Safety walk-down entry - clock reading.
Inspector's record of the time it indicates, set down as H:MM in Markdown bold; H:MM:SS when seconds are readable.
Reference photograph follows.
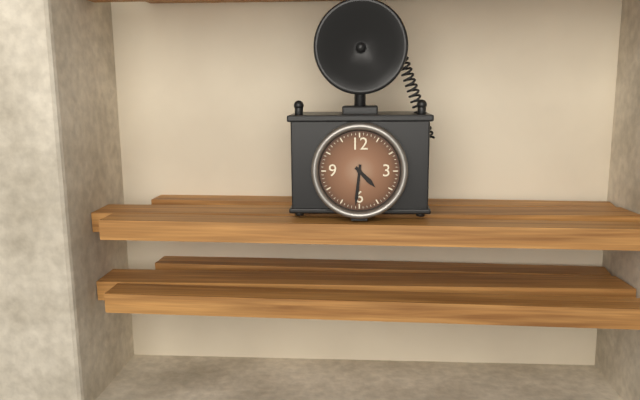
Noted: **4:31**
